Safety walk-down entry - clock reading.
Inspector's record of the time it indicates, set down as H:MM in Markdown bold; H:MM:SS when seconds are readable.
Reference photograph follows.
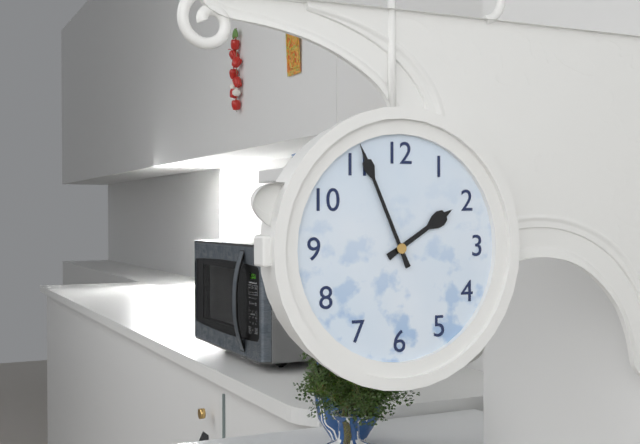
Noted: **1:56**
